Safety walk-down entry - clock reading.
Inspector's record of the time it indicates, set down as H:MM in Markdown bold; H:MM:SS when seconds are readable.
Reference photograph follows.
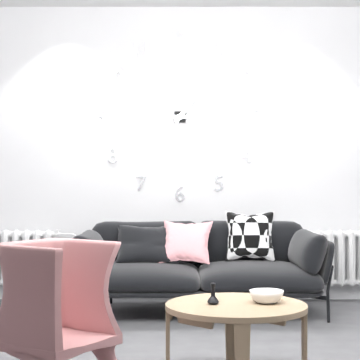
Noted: **1:15**
